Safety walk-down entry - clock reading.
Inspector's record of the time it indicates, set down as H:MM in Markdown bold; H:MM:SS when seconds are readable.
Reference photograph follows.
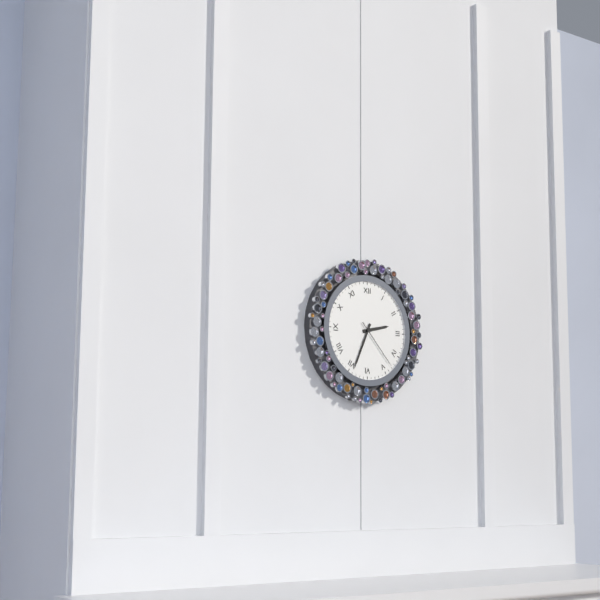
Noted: **2:34:23**
